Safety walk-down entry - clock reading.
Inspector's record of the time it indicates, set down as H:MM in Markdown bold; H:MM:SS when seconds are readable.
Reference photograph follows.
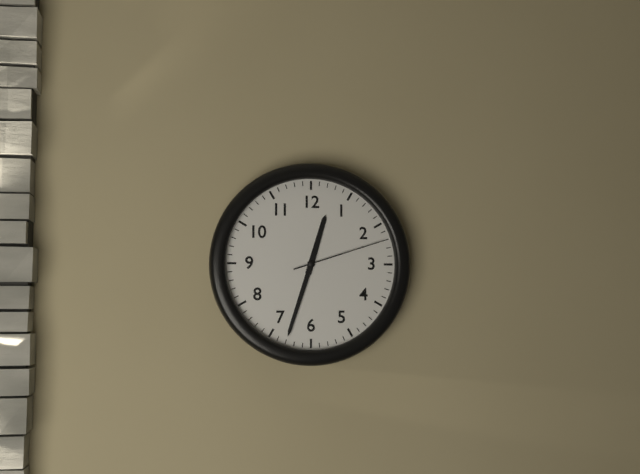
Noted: **12:33:12**
